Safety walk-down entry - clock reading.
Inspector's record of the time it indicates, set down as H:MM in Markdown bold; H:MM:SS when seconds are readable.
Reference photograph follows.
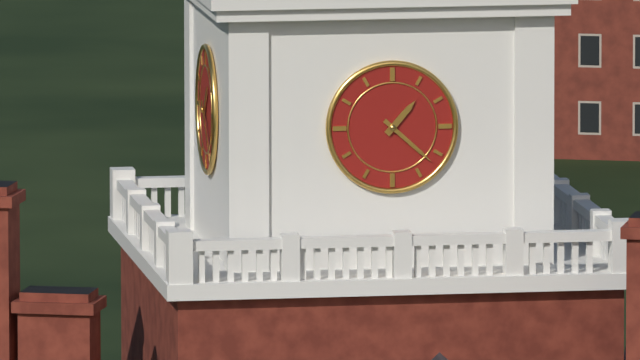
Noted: **1:22**
